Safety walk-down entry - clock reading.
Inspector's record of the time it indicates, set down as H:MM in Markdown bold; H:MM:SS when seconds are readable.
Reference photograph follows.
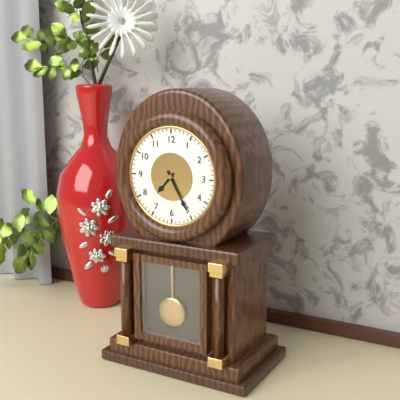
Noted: **7:25**
